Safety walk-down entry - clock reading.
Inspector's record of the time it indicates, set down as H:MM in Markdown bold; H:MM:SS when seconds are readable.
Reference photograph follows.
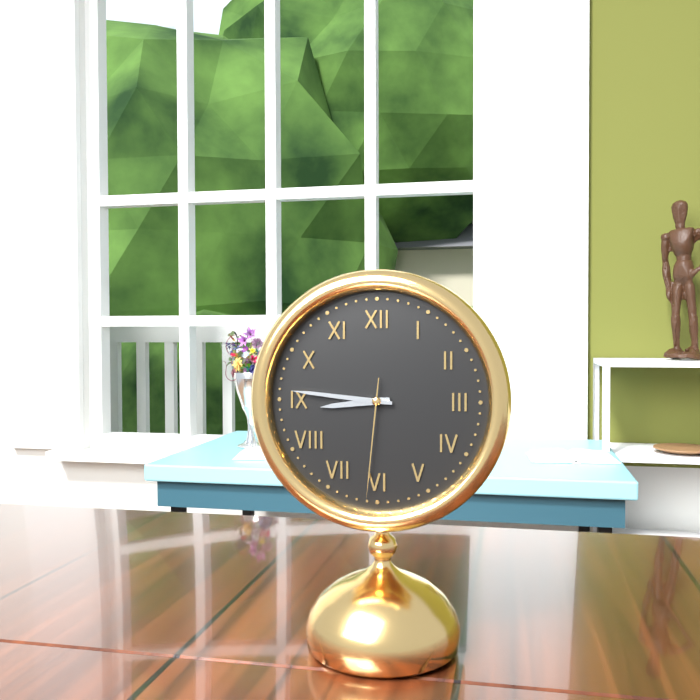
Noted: **8:46:31**
